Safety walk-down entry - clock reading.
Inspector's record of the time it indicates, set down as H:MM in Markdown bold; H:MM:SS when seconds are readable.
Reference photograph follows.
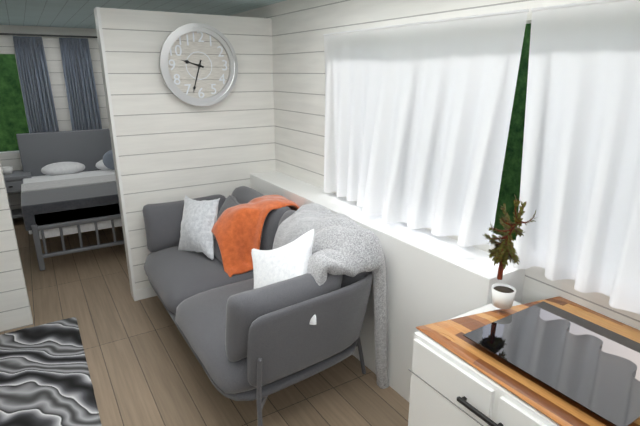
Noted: **9:33**
